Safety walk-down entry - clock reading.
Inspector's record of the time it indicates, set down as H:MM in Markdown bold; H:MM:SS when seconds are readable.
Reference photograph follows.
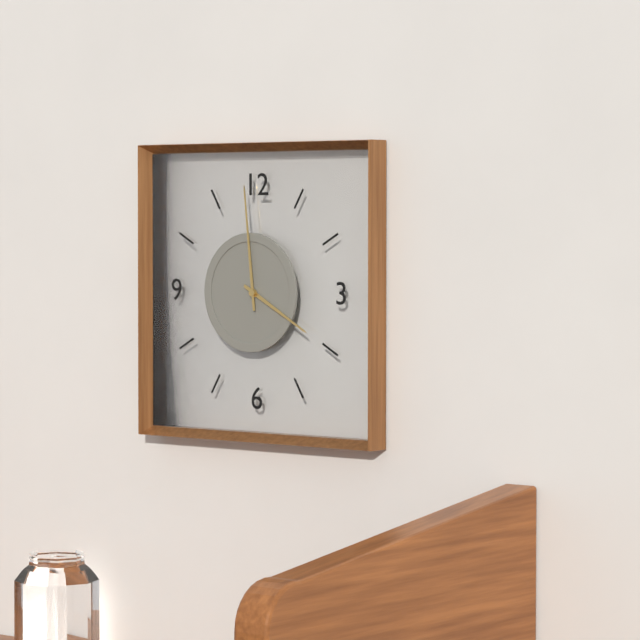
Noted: **3:59**
